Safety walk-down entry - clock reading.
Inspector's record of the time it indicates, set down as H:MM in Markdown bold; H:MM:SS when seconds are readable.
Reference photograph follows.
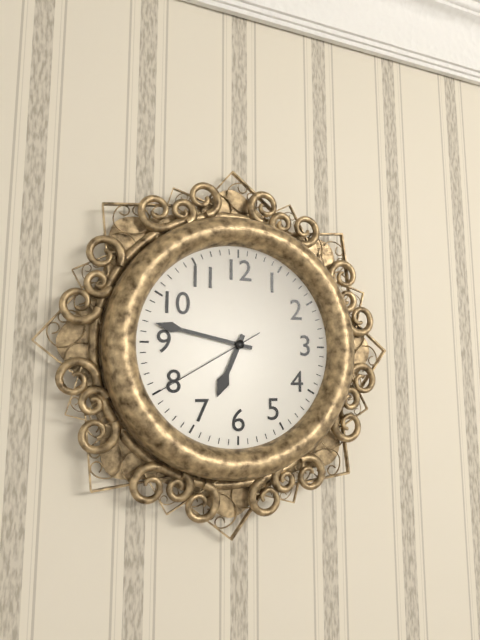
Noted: **6:47:40**
